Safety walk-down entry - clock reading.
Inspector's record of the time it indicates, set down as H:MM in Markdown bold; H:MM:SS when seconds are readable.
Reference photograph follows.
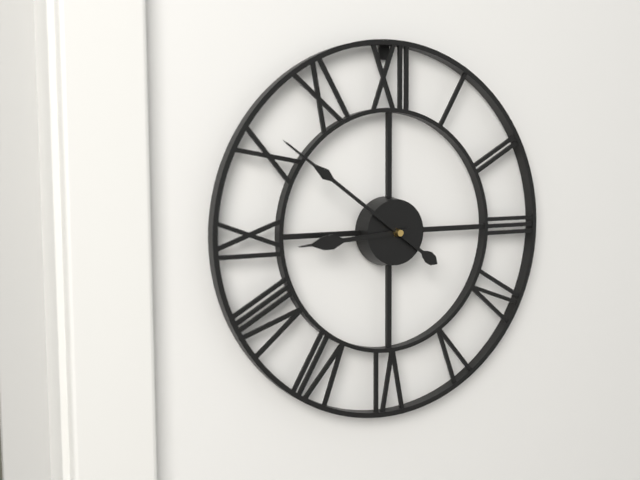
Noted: **8:51**
